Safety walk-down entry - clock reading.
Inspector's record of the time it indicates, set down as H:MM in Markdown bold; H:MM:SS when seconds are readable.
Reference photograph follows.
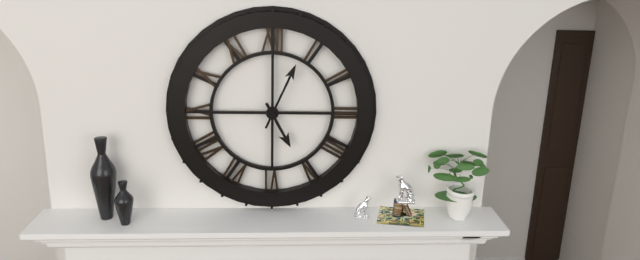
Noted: **5:04**
